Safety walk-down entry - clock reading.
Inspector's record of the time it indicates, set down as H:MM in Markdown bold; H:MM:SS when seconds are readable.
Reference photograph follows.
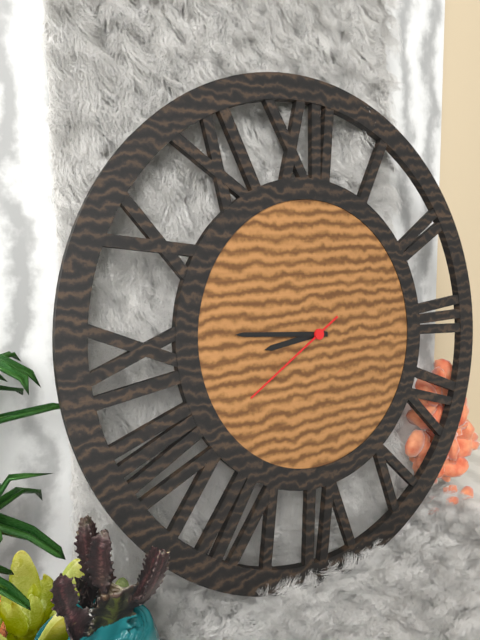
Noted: **8:46:40**
